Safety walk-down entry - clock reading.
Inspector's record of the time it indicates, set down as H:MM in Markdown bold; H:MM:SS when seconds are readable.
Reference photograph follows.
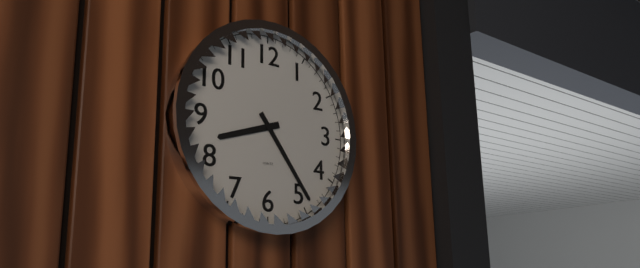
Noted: **8:24**
